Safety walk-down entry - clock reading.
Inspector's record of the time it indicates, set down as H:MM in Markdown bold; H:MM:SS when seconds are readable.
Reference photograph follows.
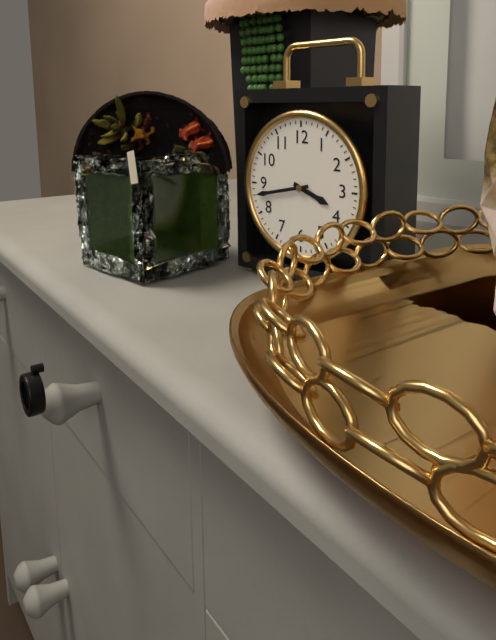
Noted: **3:43**
